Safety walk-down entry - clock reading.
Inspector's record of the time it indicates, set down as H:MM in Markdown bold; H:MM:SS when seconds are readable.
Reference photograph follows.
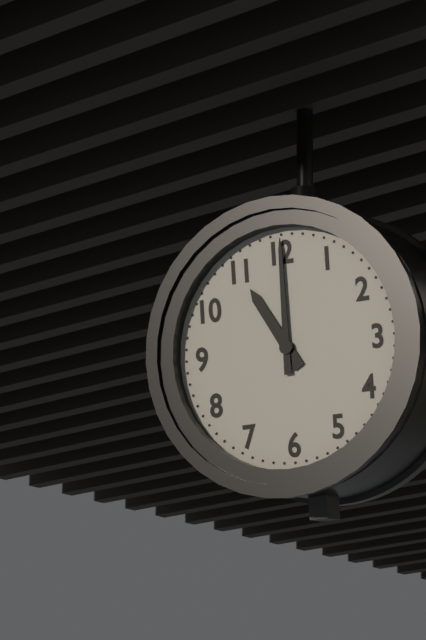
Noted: **11:00**
